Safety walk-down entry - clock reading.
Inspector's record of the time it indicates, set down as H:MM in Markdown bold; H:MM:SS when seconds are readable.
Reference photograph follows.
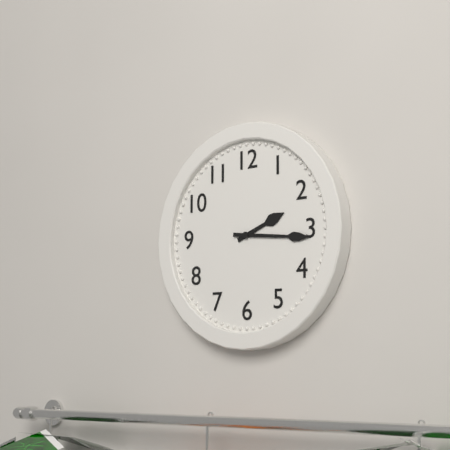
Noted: **2:16**
